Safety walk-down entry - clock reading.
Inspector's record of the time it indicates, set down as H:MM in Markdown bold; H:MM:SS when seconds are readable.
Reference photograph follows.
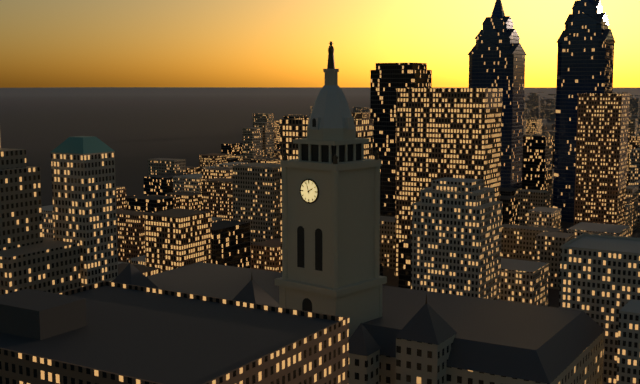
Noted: **1:57**
